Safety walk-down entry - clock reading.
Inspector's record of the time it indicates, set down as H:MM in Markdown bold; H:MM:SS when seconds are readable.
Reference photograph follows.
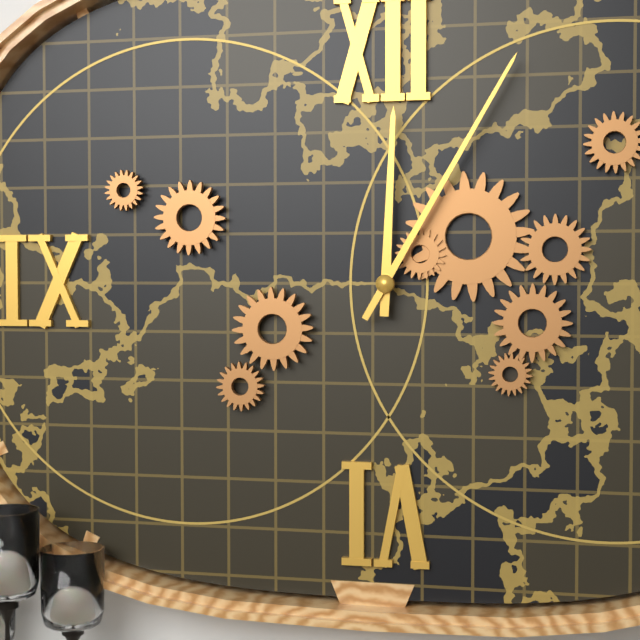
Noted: **12:05**
